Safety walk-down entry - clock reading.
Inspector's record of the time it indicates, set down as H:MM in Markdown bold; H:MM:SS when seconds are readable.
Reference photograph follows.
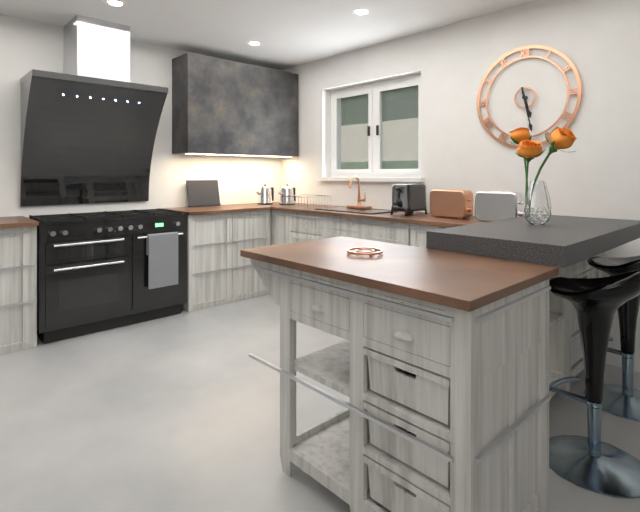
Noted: **5:28**
